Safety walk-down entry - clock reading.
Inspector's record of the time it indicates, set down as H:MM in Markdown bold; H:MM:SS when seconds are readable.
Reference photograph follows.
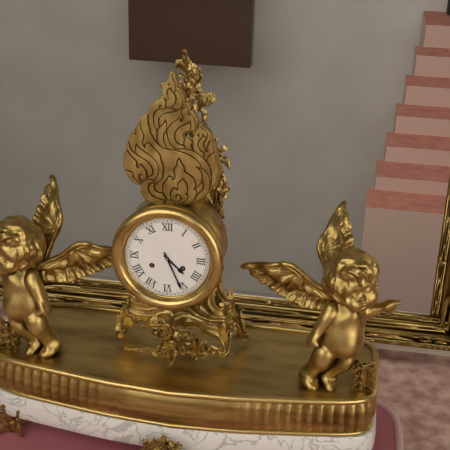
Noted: **4:26**
